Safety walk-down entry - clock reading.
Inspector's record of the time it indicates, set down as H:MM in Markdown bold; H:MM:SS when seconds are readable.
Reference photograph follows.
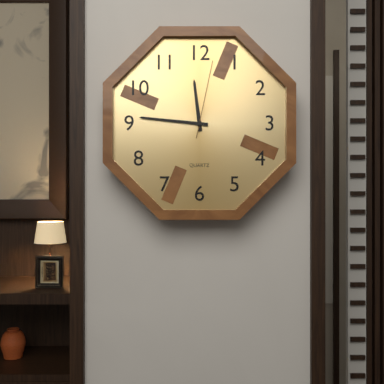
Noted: **11:46:02**
